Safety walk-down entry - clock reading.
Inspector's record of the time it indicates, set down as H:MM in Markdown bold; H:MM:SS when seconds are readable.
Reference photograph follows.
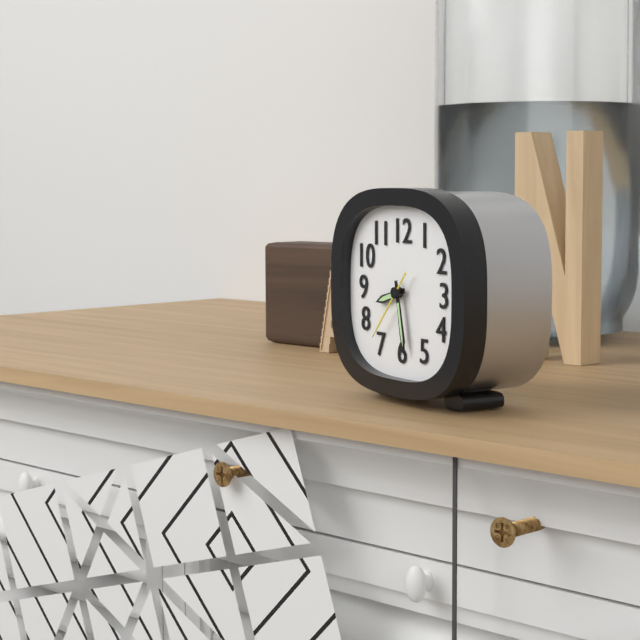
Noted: **8:28:37**
